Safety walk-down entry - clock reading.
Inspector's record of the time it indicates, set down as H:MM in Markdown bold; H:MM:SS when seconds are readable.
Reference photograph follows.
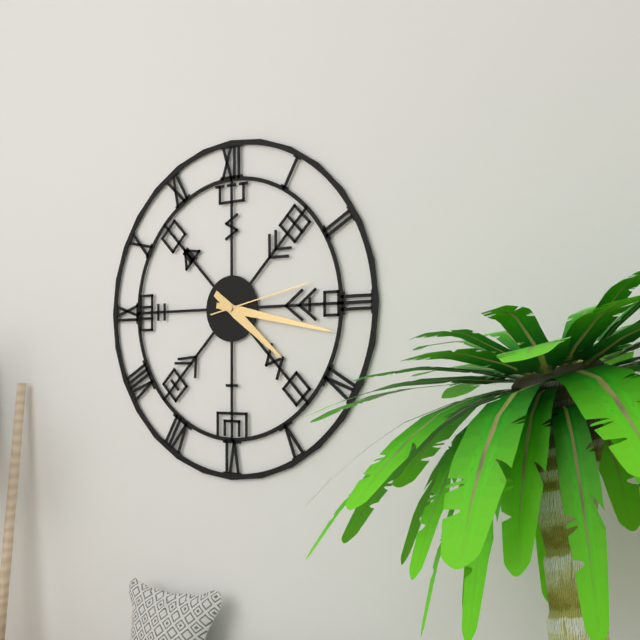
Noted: **4:17:13**
